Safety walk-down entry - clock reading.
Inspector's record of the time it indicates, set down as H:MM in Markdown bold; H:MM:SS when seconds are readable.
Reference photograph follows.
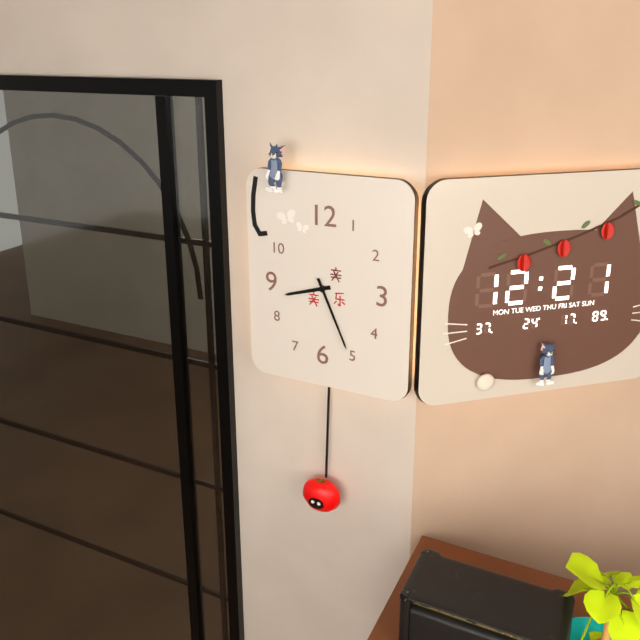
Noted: **8:26**
